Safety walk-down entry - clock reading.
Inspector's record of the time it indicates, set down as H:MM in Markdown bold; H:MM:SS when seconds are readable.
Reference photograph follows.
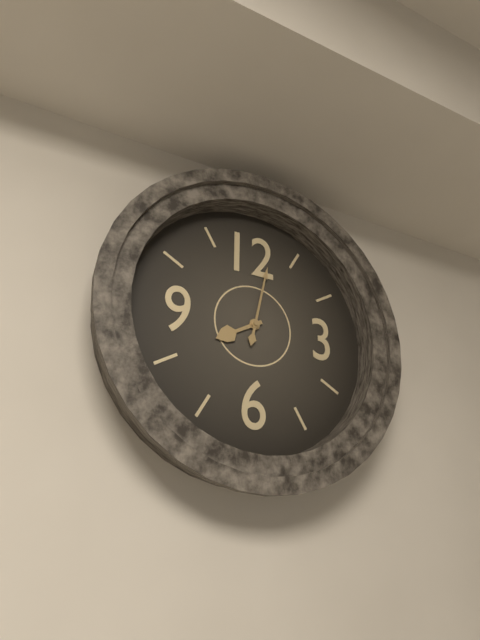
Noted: **8:02**
